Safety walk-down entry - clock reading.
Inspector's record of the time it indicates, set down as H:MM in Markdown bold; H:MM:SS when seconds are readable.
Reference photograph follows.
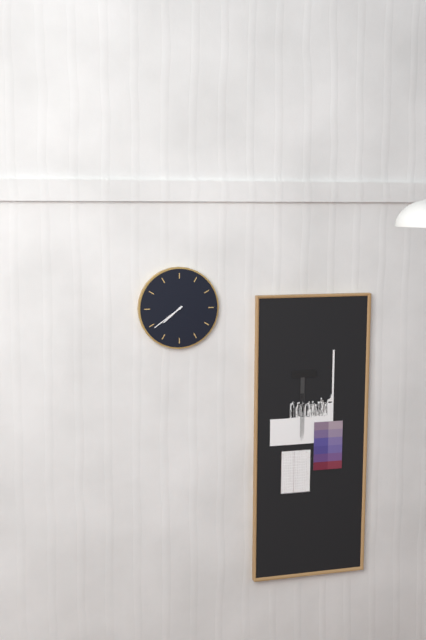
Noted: **7:39**
